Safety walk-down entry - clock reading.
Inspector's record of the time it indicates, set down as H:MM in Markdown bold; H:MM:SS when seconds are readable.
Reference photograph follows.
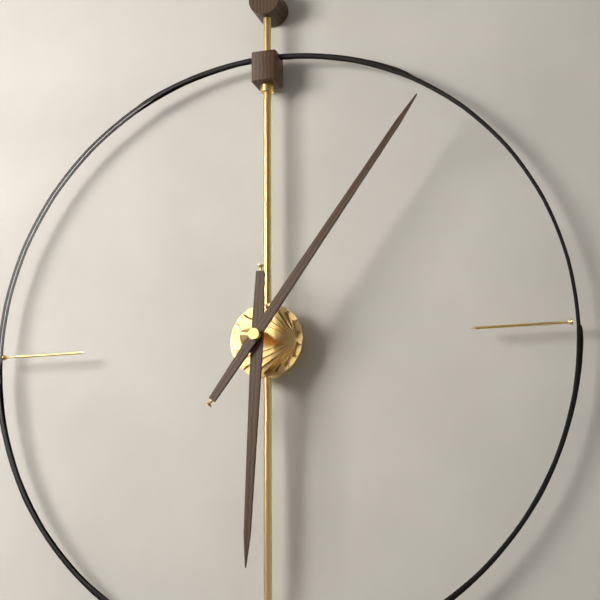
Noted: **6:06**
